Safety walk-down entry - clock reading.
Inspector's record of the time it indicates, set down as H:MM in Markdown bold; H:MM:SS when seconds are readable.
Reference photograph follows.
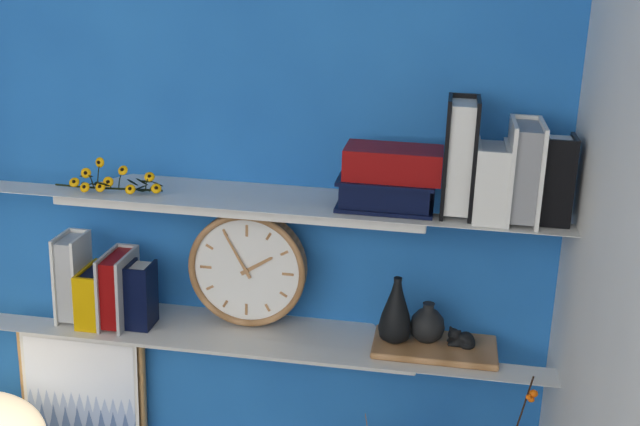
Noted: **1:55**
